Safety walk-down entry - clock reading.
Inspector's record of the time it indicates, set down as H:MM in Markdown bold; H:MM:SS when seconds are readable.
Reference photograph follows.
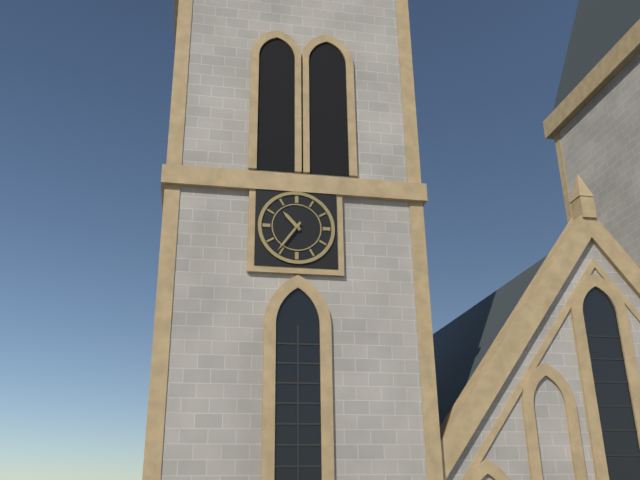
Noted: **10:36**
